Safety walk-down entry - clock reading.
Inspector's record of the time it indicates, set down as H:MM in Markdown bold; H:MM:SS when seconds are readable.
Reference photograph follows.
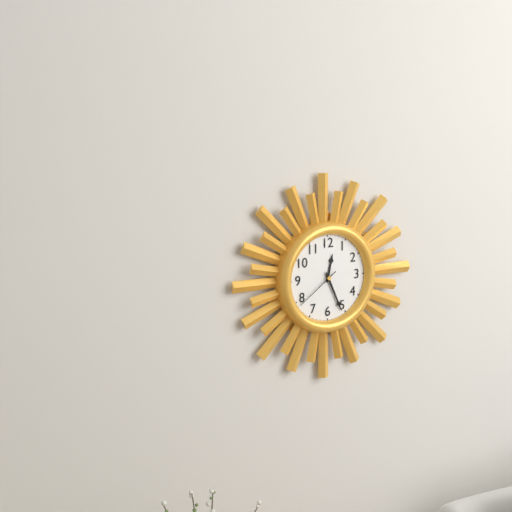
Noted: **12:26**
